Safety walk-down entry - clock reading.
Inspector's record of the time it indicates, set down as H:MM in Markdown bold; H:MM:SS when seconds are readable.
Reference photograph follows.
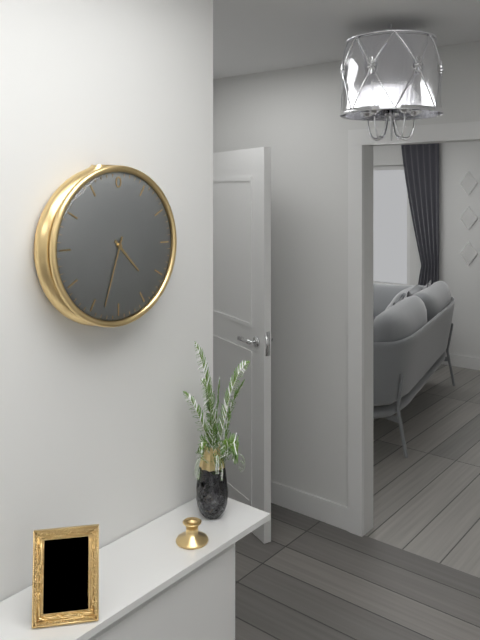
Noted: **4:33**
